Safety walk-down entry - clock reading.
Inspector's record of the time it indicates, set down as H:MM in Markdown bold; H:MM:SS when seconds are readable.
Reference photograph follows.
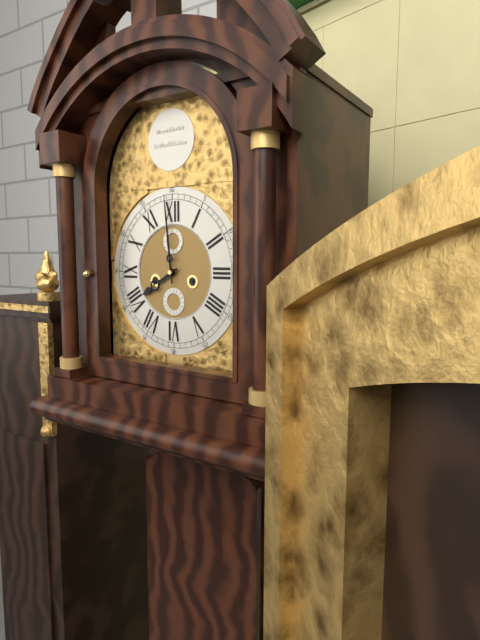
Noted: **7:59**
